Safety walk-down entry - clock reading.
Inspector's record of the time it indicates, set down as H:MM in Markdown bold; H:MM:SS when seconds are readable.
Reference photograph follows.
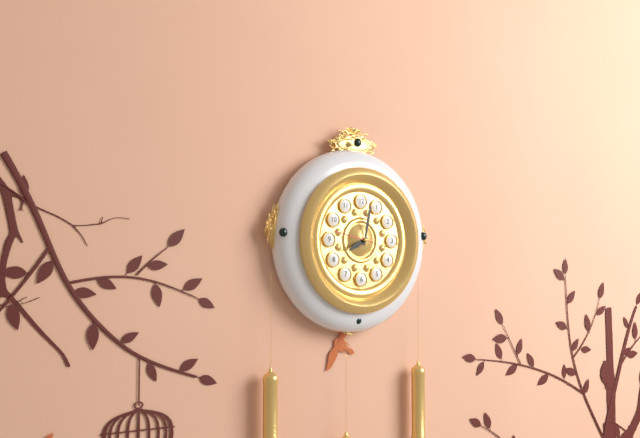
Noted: **8:02**
